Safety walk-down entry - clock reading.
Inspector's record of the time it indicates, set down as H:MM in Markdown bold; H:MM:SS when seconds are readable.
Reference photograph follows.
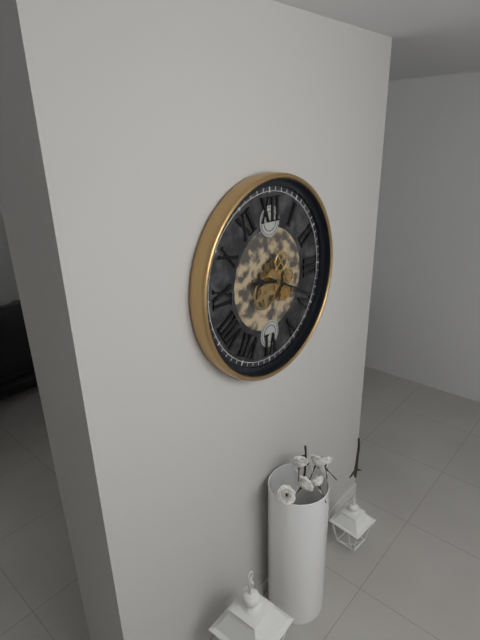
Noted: **9:19**
